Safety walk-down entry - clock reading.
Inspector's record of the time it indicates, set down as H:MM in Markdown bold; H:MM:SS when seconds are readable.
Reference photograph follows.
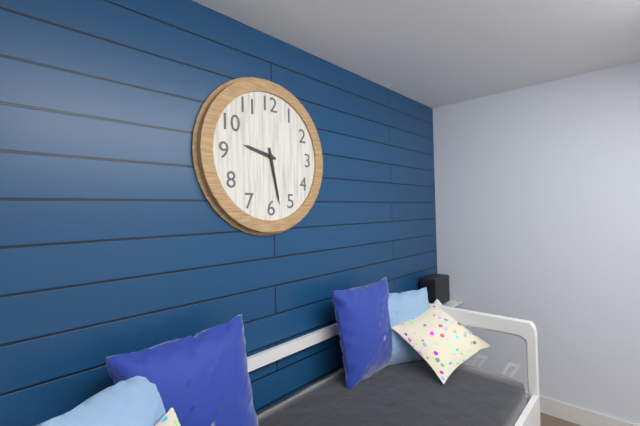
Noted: **9:28**
